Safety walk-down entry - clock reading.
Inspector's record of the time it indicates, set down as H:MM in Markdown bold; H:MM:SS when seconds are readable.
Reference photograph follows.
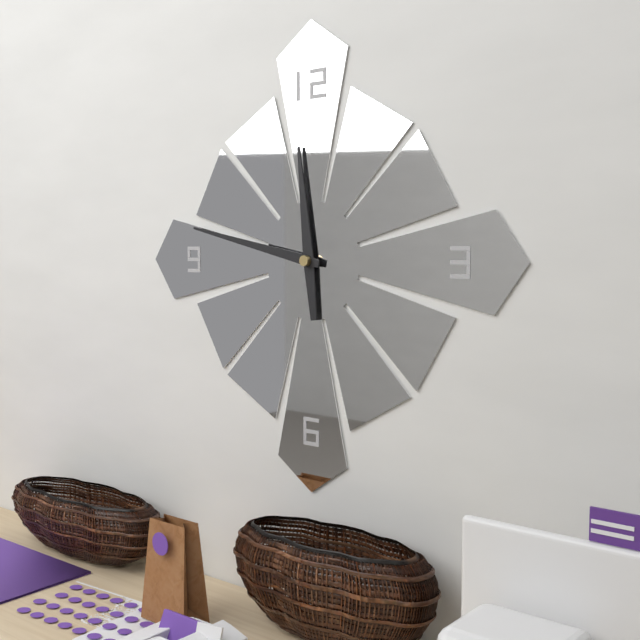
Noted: **11:47**
